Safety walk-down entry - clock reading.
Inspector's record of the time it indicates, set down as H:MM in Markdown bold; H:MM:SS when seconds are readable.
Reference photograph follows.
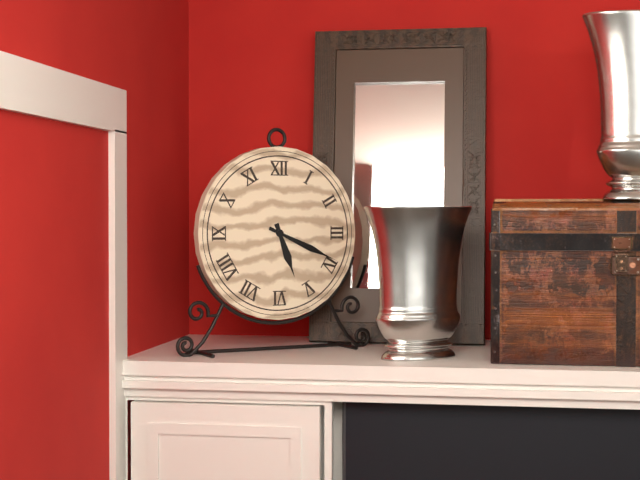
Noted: **5:19**
